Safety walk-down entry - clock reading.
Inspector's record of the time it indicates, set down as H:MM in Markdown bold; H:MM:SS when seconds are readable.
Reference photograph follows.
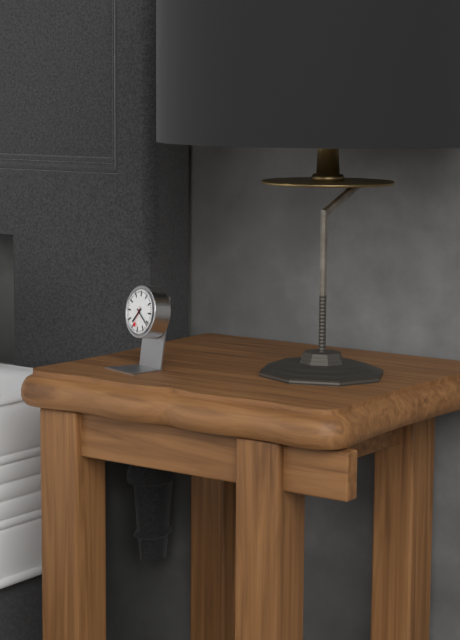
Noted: **7:21**
